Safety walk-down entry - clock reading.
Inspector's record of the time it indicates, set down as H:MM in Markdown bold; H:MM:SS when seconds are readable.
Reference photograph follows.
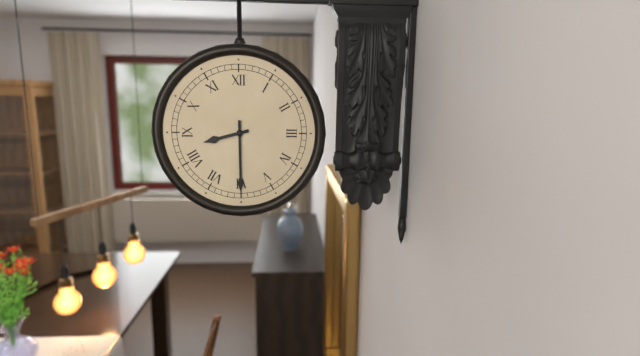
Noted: **8:30**
